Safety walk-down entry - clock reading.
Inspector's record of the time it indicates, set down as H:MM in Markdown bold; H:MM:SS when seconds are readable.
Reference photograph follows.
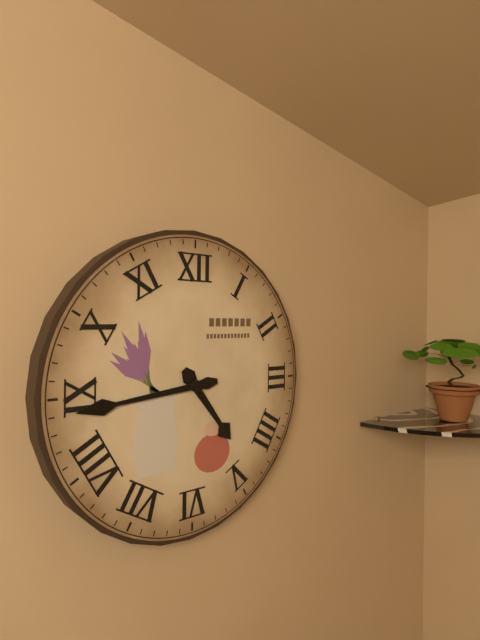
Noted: **4:44**
